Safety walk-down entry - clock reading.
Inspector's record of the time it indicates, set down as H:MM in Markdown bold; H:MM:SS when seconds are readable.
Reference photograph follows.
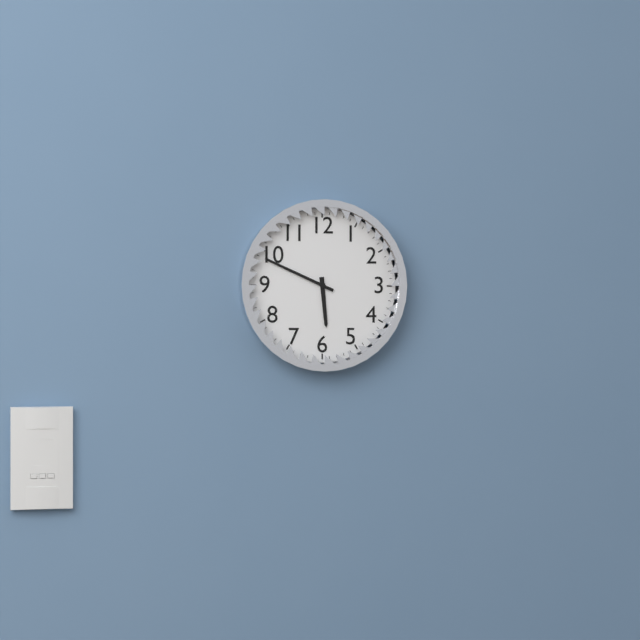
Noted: **5:49**
